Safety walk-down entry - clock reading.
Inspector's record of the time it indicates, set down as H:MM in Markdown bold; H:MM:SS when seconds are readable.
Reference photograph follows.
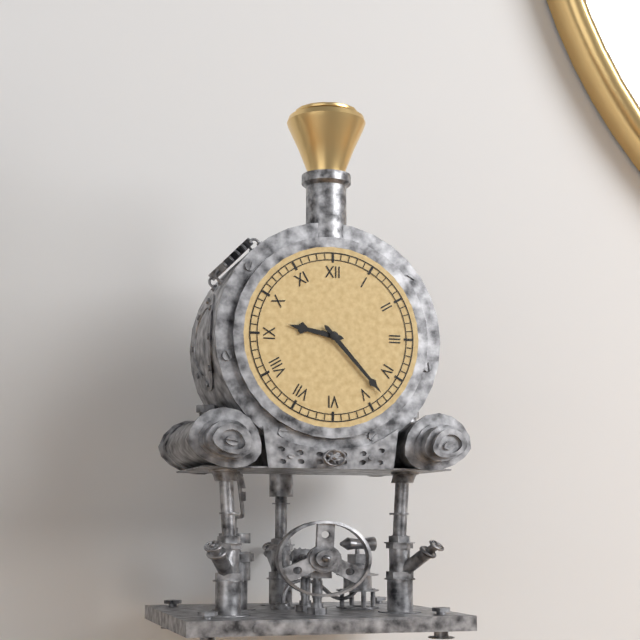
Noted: **9:23**
